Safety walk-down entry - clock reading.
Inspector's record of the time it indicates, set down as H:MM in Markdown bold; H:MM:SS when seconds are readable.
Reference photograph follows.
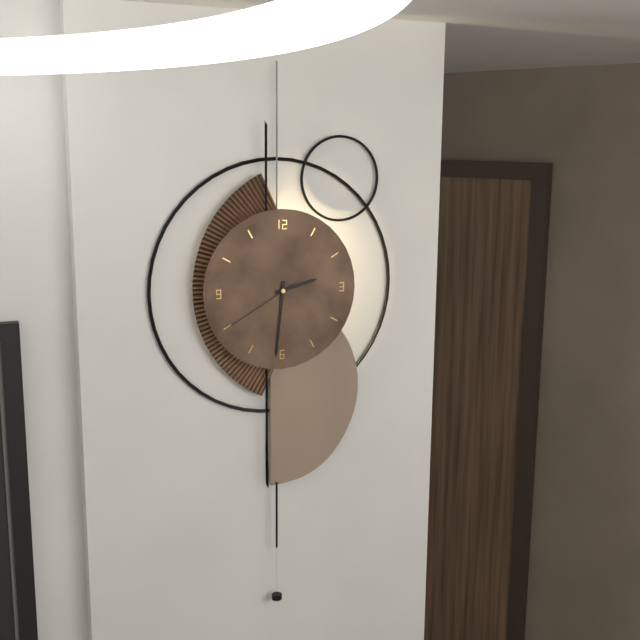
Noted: **2:31:40**
